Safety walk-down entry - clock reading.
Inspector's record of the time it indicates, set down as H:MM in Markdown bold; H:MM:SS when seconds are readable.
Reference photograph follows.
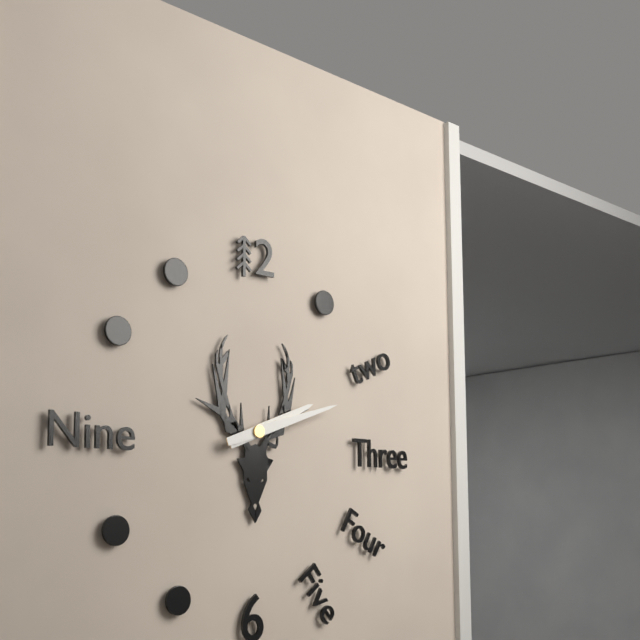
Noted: **2:12**
